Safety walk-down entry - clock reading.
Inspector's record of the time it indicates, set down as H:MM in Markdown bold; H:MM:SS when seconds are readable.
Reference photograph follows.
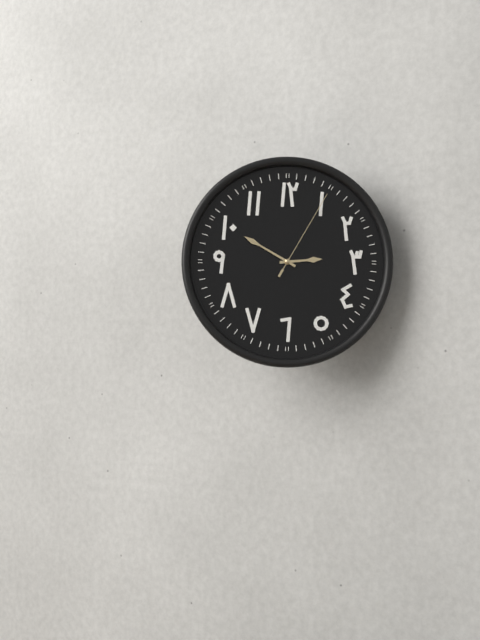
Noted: **2:50:05**
